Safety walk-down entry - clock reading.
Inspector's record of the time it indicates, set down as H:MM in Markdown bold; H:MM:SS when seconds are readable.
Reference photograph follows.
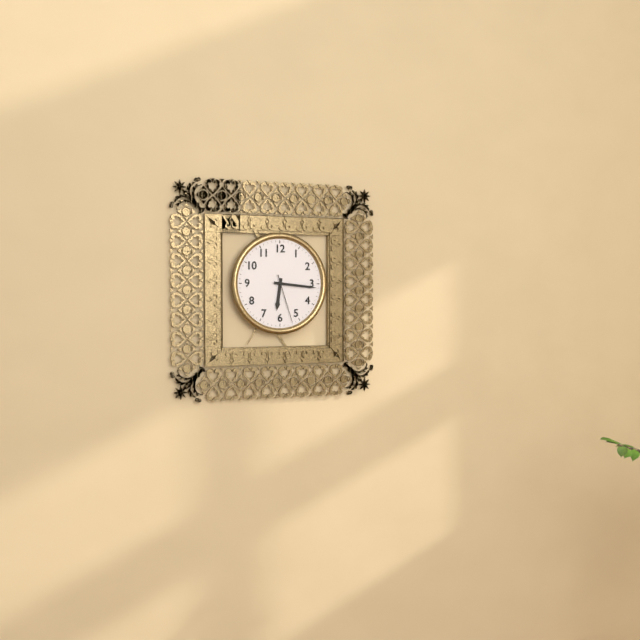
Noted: **6:16:27**
